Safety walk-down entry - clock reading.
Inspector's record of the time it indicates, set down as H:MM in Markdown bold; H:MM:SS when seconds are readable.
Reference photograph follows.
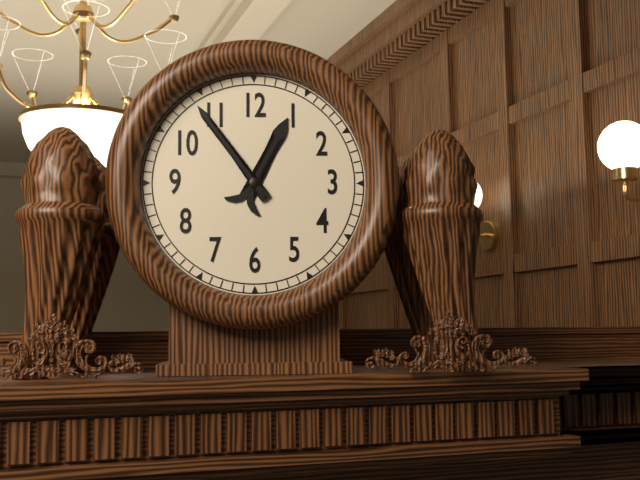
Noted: **12:54**
